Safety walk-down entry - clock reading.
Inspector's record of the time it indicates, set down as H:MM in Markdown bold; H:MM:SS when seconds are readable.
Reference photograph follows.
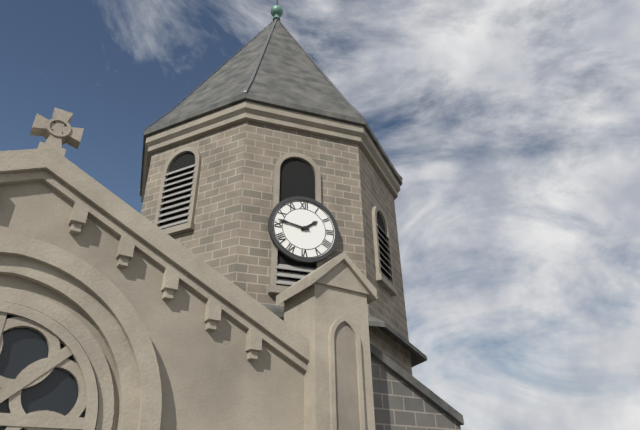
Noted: **1:47**
